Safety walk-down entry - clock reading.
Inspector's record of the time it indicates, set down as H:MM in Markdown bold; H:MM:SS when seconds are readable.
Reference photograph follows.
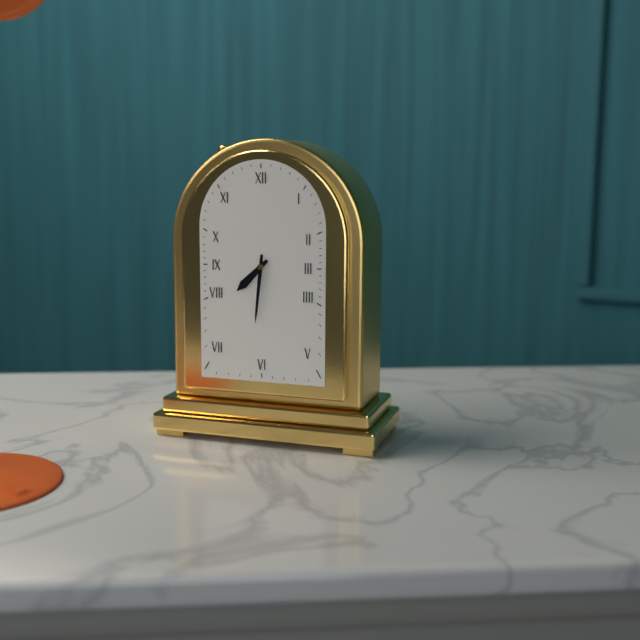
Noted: **7:31**
